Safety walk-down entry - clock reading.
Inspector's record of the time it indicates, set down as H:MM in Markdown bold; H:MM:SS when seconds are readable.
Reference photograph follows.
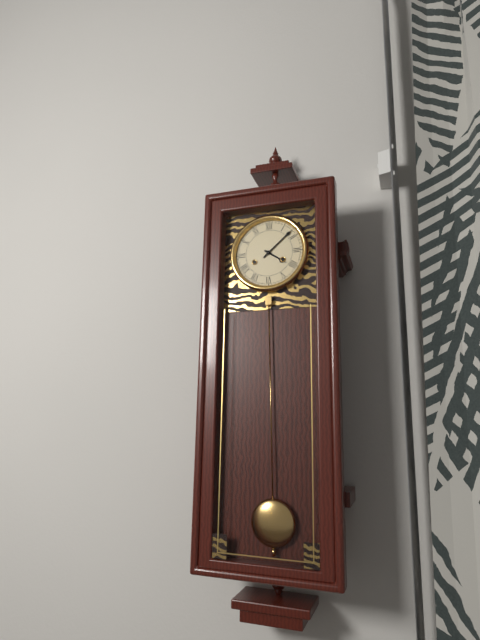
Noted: **4:08**
